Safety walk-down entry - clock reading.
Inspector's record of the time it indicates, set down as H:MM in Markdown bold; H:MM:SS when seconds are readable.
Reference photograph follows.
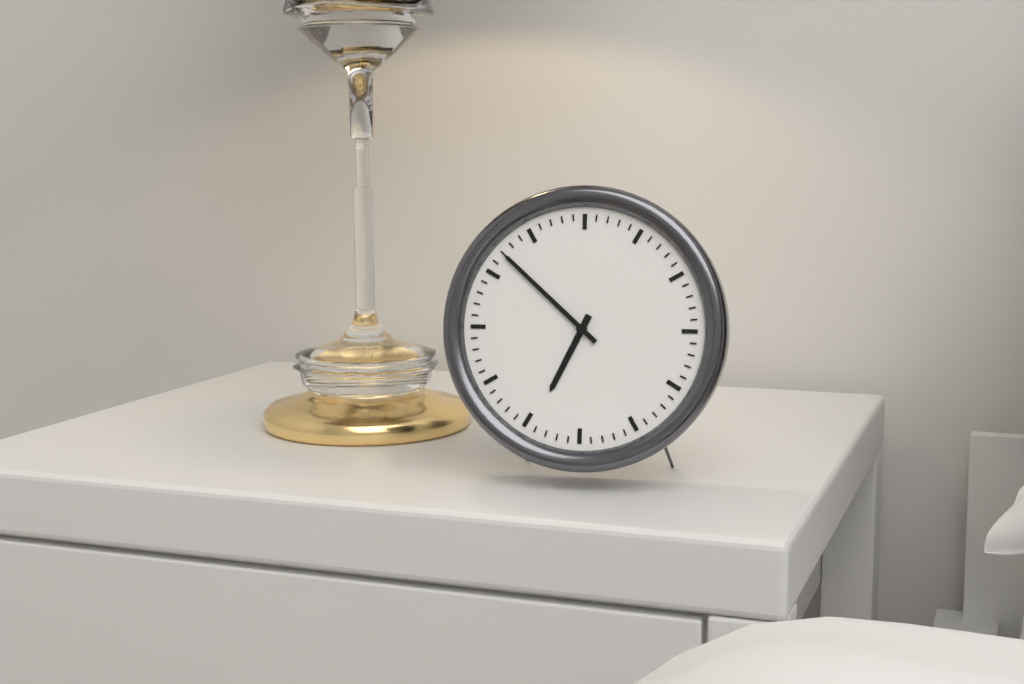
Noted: **6:52**
